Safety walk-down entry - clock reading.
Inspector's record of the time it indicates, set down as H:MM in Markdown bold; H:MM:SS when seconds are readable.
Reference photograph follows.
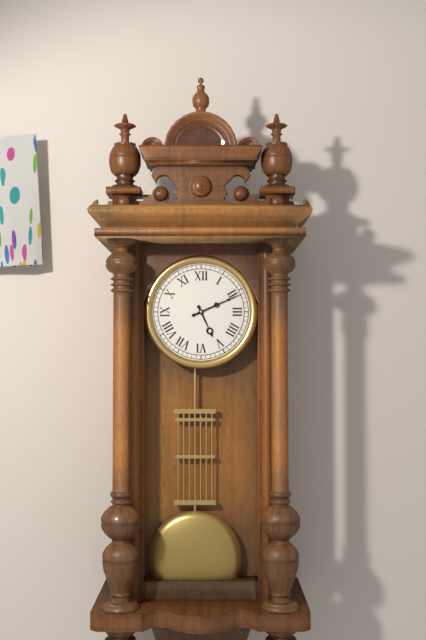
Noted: **5:11**
